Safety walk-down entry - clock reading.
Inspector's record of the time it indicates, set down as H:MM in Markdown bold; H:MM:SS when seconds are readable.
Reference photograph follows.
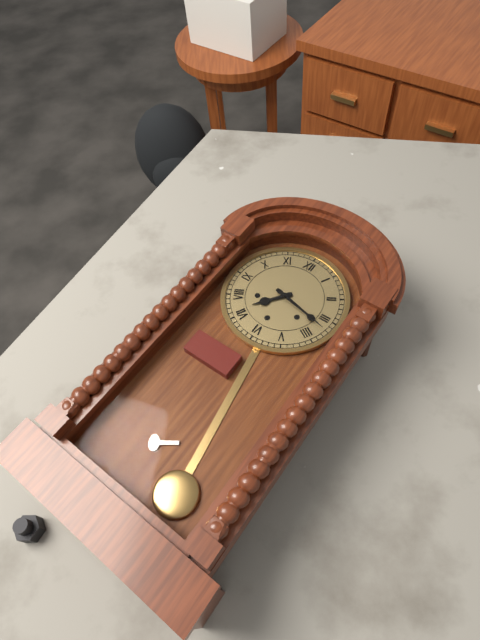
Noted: **7:17**
